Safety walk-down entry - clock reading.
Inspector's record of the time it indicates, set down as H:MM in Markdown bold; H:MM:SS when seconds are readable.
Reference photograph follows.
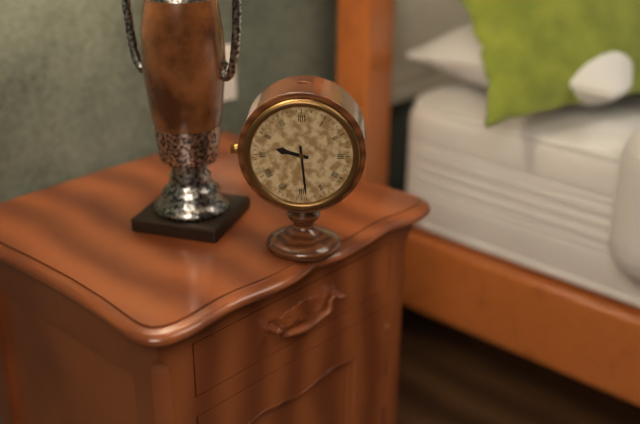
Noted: **9:29**
